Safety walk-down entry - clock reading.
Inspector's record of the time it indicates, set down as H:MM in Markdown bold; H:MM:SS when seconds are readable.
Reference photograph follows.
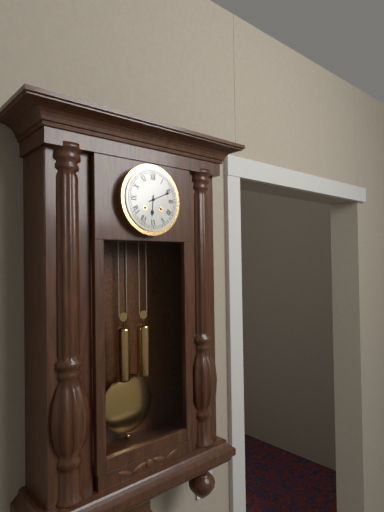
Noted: **6:11**
